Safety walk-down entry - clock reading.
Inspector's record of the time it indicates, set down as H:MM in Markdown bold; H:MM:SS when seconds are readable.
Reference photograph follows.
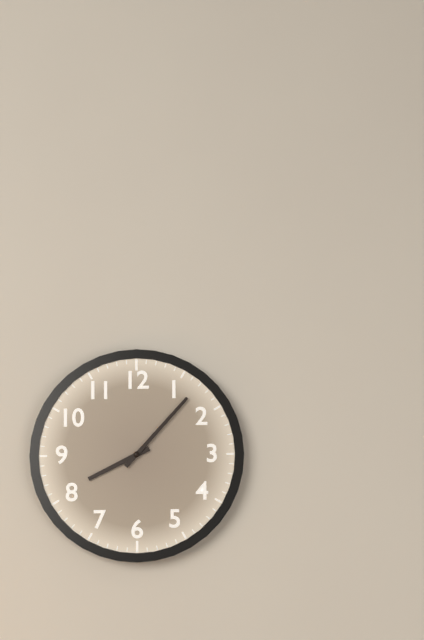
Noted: **8:07**
